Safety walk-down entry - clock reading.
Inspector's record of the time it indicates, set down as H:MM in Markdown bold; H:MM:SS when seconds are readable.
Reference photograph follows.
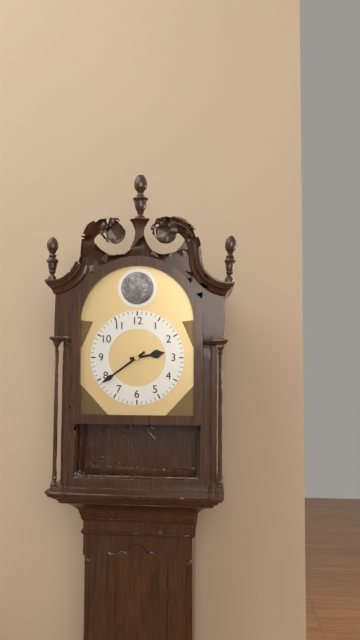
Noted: **2:39**
